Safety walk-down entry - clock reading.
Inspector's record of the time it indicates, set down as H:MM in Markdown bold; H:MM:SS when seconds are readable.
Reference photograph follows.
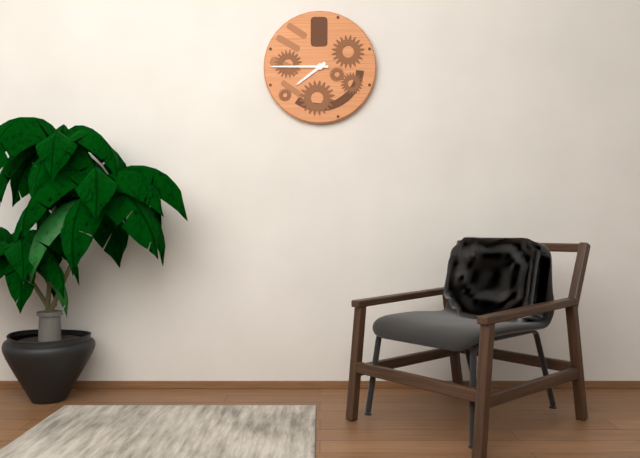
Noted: **7:45**
